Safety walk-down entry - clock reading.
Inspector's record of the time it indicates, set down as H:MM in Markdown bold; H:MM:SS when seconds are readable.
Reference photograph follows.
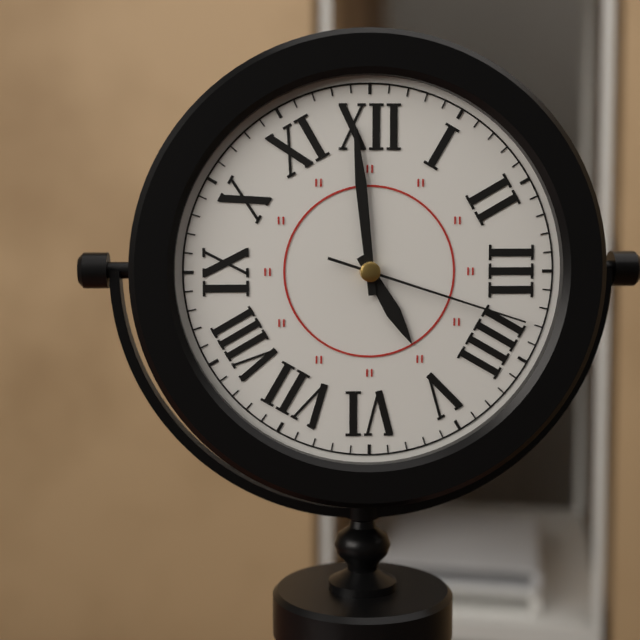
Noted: **4:59:18**
